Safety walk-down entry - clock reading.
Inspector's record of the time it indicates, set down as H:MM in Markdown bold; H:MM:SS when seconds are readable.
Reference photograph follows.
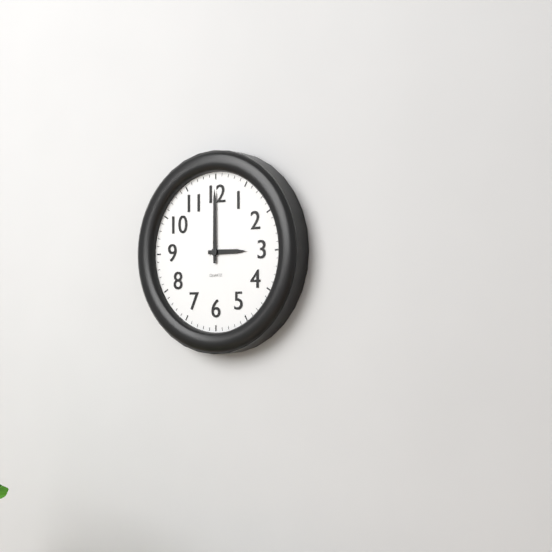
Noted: **3:00**
